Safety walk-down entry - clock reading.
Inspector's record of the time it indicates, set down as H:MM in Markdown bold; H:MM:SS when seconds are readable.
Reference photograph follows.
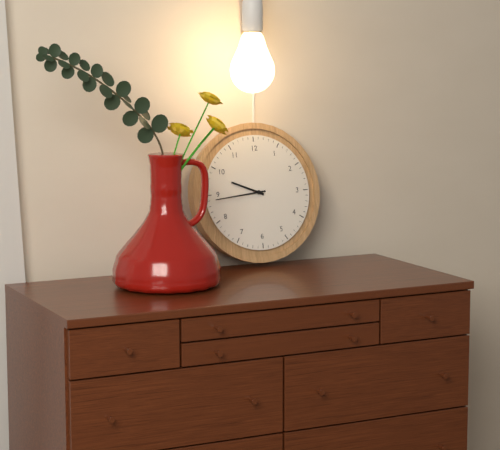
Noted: **9:44**
